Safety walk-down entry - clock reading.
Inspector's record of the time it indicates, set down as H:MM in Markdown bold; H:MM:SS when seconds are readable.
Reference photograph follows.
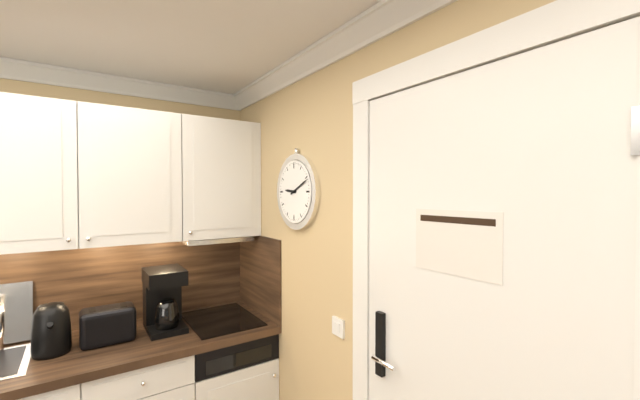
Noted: **9:11**
